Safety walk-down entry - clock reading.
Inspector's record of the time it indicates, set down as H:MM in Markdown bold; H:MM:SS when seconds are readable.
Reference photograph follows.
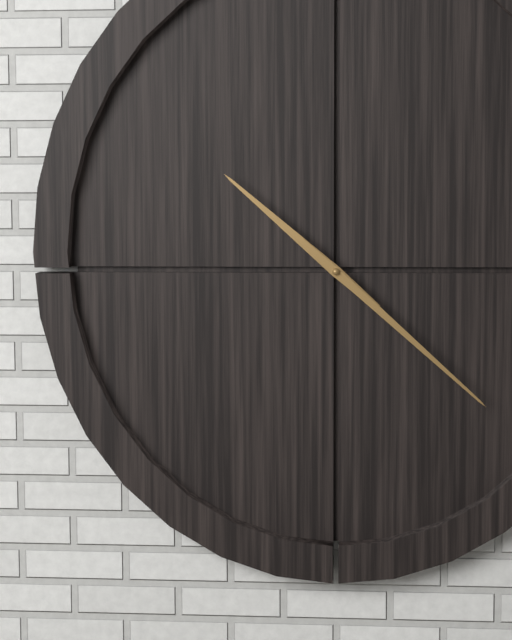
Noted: **10:22**
